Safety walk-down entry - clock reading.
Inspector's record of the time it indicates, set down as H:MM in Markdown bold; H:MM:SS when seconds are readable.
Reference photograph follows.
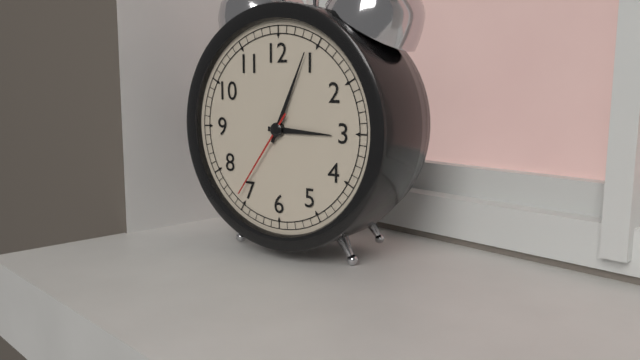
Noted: **3:04:36**
